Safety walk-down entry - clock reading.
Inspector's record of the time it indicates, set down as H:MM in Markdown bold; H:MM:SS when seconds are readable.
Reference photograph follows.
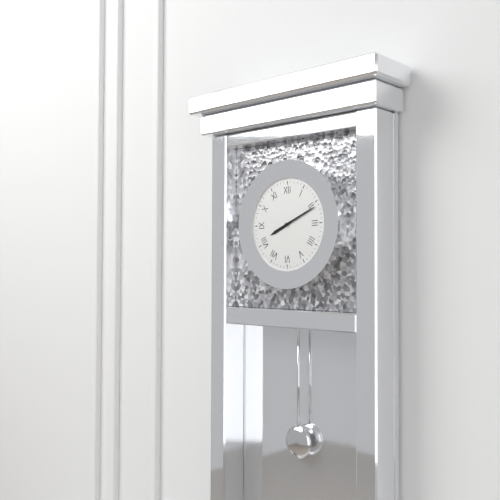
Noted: **8:11**
